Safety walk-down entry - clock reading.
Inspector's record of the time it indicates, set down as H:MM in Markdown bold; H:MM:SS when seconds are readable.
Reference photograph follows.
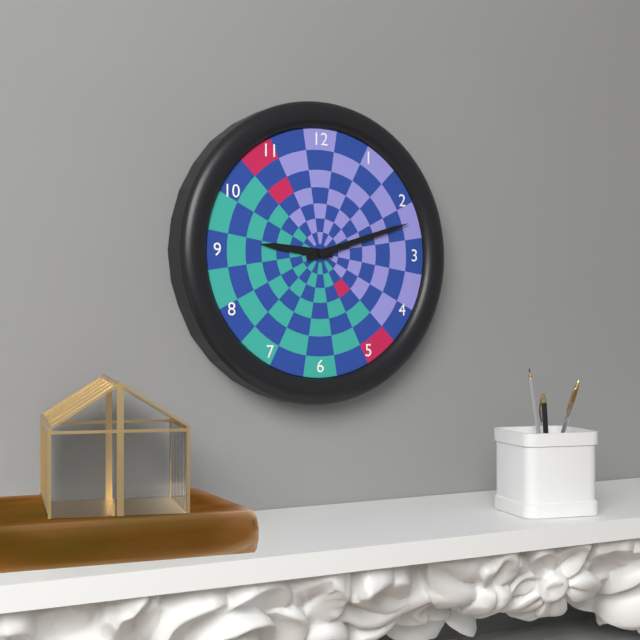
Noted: **9:12**
